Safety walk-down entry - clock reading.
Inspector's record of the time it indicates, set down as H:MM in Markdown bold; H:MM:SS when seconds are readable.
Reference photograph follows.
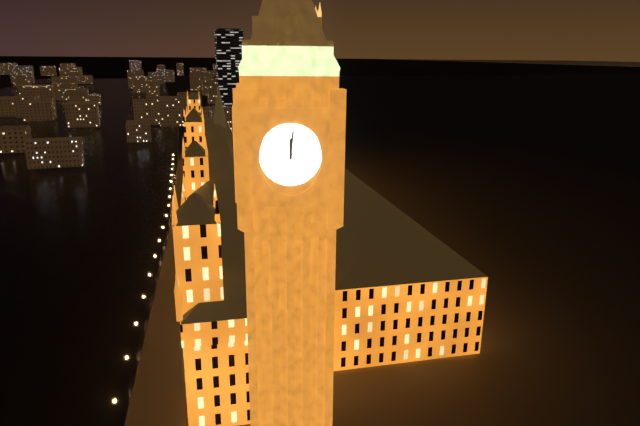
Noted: **12:01**
